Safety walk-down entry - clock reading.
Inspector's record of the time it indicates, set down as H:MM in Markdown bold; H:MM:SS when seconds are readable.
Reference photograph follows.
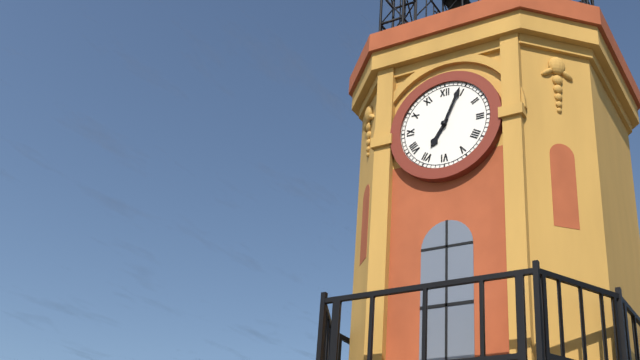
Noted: **7:04**
